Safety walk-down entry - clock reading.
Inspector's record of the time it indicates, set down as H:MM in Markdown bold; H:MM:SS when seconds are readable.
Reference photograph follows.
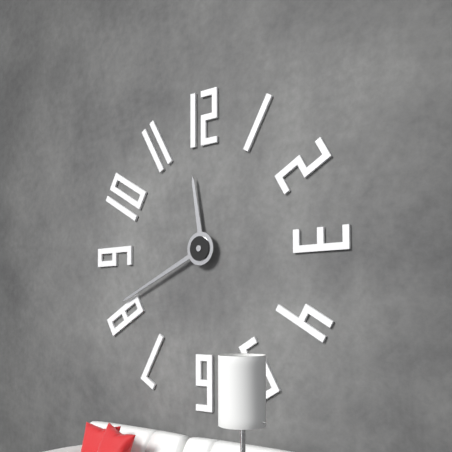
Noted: **11:41**
